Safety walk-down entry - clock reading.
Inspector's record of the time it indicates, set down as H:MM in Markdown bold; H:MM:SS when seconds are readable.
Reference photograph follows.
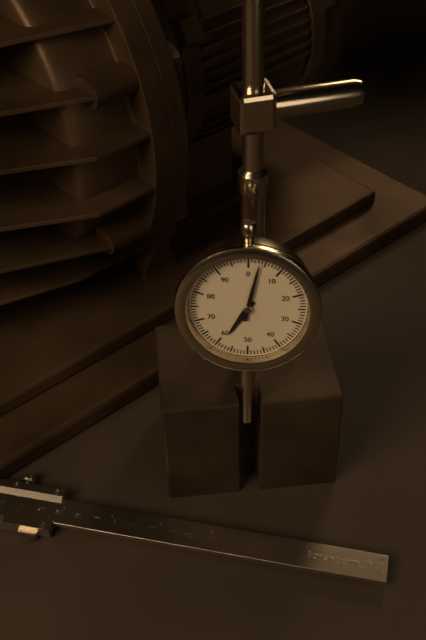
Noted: **7:02**
